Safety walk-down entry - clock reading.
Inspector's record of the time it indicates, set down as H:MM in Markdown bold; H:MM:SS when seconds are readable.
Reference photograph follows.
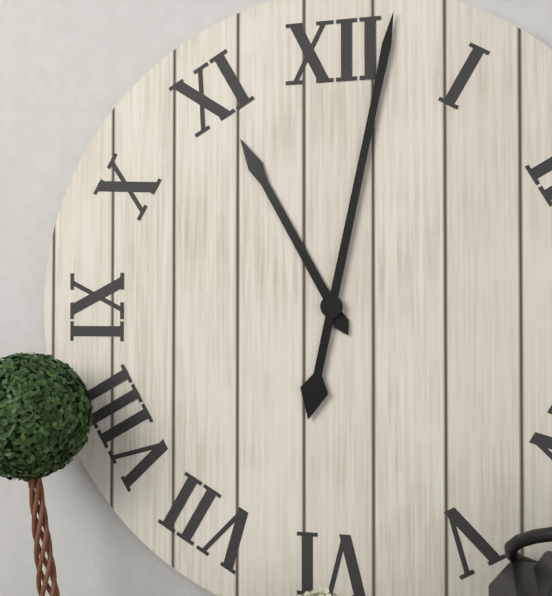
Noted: **11:02**
